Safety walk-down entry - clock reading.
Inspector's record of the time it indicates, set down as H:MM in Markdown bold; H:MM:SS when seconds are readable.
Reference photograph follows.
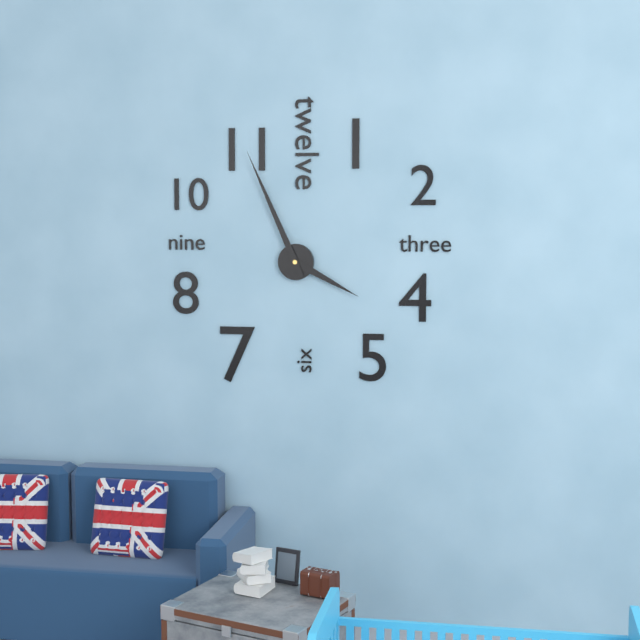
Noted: **3:56**
